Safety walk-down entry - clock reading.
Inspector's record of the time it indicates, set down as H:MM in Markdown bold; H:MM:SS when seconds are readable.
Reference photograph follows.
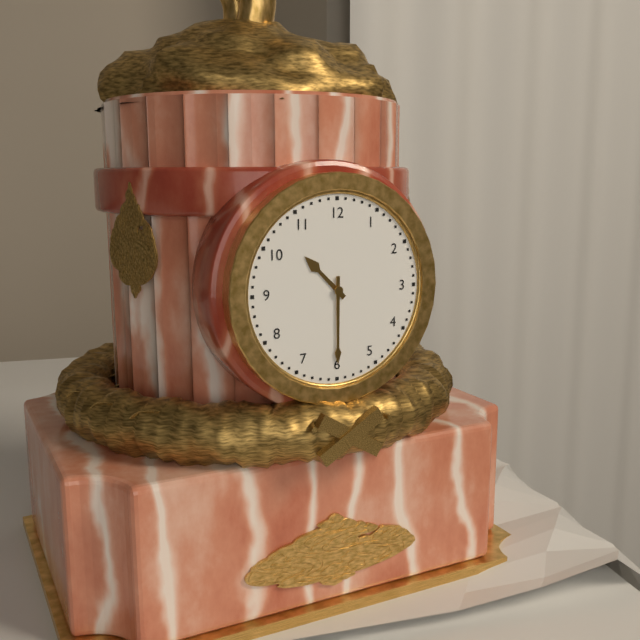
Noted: **10:30**
